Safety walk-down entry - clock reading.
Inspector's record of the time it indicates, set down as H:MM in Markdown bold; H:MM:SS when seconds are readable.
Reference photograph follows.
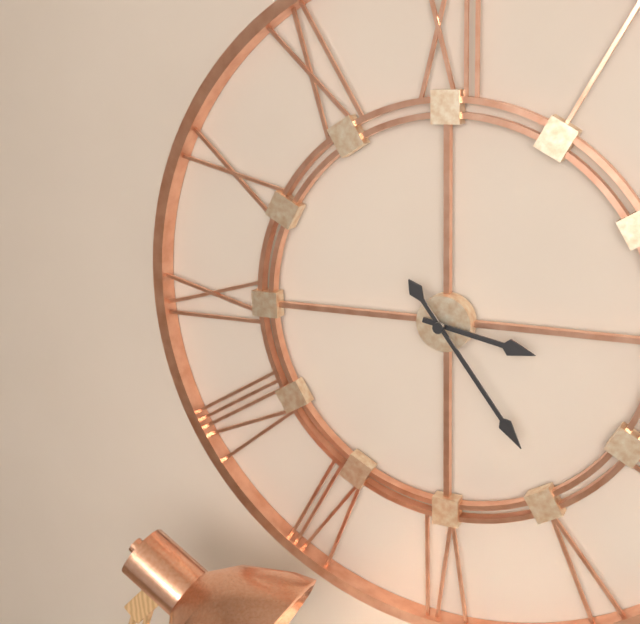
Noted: **3:24**
